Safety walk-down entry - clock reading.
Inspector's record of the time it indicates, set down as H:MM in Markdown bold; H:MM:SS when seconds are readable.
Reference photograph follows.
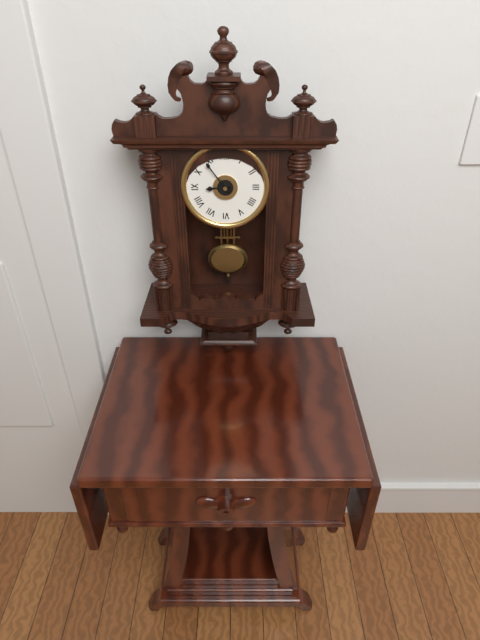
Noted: **8:54**
